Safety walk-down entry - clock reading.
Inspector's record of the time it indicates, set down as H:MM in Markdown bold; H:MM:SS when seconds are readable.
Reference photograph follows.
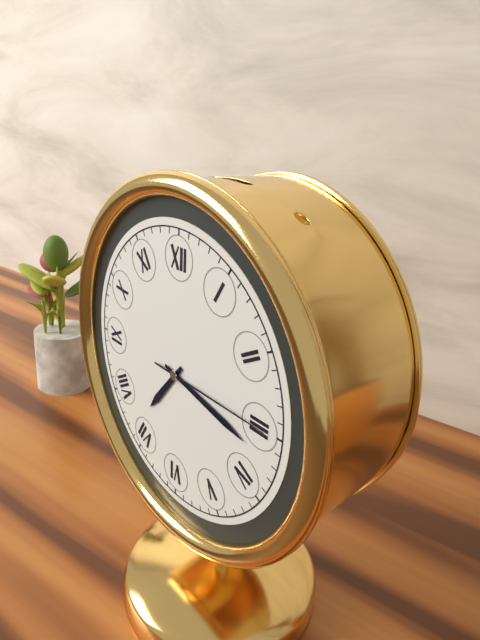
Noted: **7:17:15**
